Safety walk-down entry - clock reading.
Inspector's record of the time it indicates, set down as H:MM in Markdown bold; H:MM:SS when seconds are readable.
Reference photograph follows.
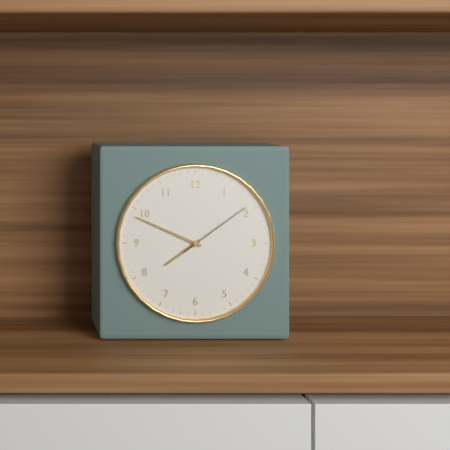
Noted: **7:49:09**
